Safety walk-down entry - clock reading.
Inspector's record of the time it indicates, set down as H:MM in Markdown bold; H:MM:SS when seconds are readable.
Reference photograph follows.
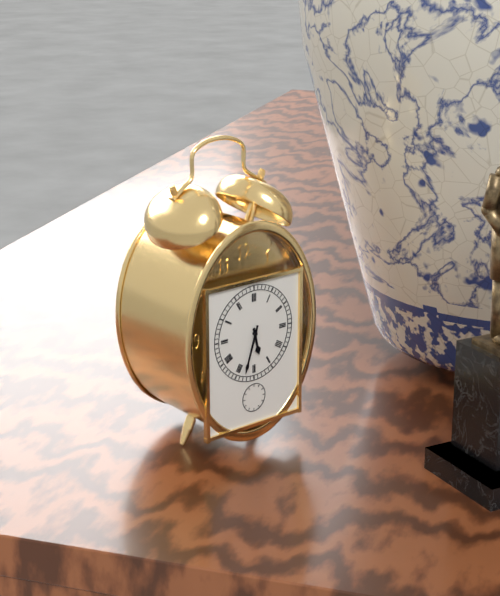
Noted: **5:33**
